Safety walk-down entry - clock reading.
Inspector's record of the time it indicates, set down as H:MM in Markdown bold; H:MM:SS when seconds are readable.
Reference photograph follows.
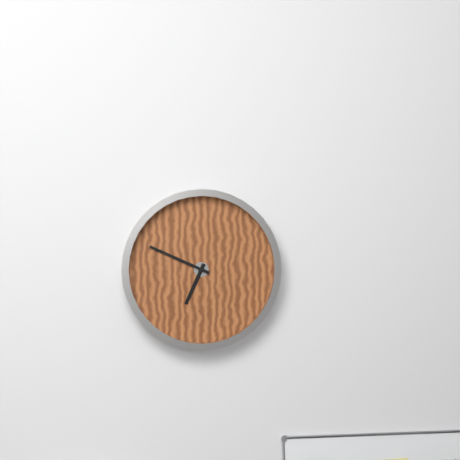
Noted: **6:49**
